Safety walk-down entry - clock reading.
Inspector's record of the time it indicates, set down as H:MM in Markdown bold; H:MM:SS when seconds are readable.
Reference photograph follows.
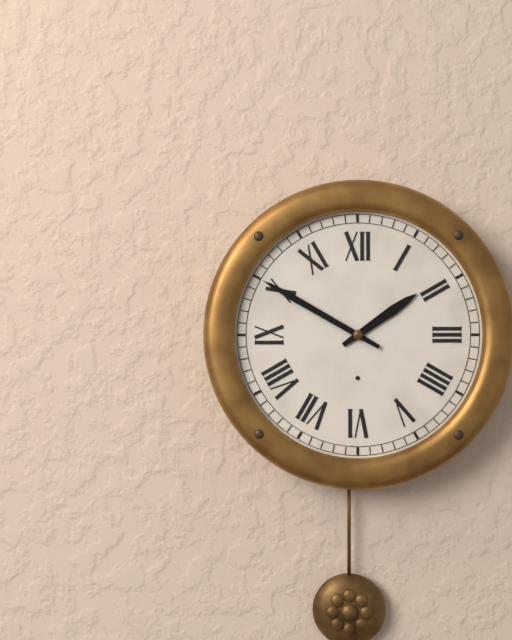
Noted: **1:50**
